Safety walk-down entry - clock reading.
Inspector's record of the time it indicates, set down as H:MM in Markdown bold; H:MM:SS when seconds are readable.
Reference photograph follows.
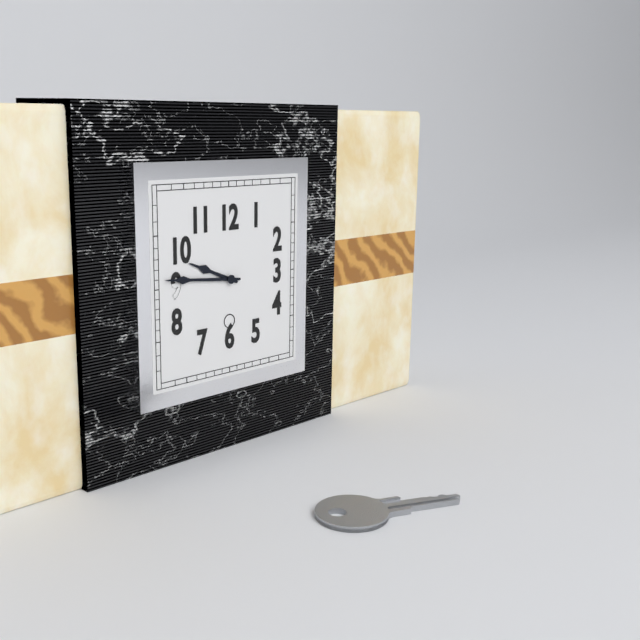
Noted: **9:46**
